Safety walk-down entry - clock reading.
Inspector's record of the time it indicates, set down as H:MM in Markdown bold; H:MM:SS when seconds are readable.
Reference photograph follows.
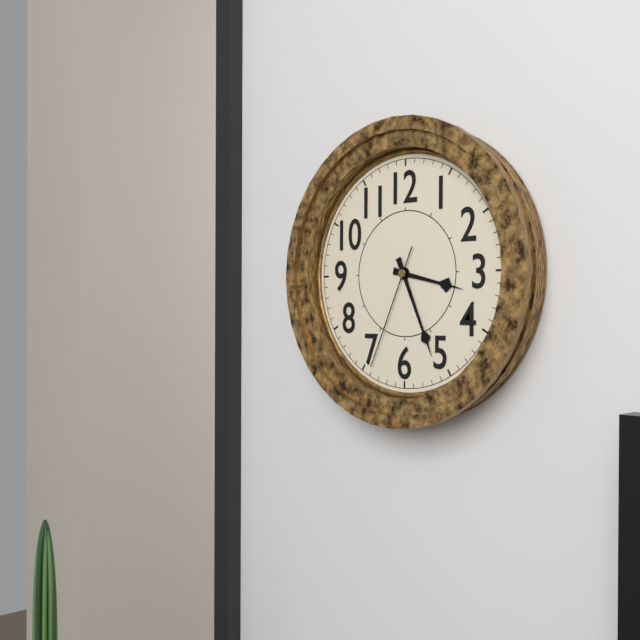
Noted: **3:26:34**
